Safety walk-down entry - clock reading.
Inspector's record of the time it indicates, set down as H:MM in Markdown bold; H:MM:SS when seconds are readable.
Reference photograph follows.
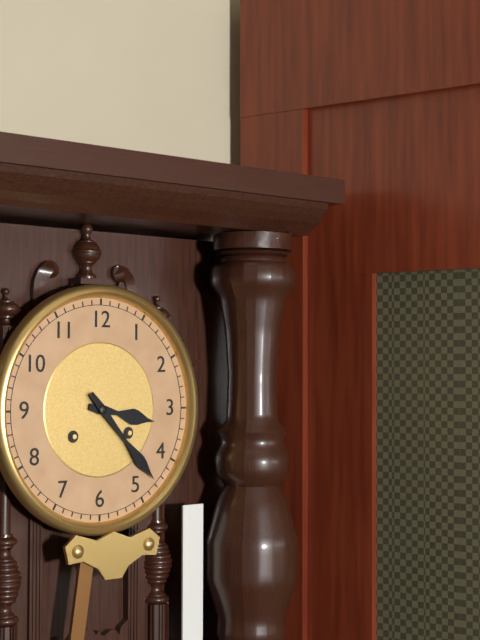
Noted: **3:23**
